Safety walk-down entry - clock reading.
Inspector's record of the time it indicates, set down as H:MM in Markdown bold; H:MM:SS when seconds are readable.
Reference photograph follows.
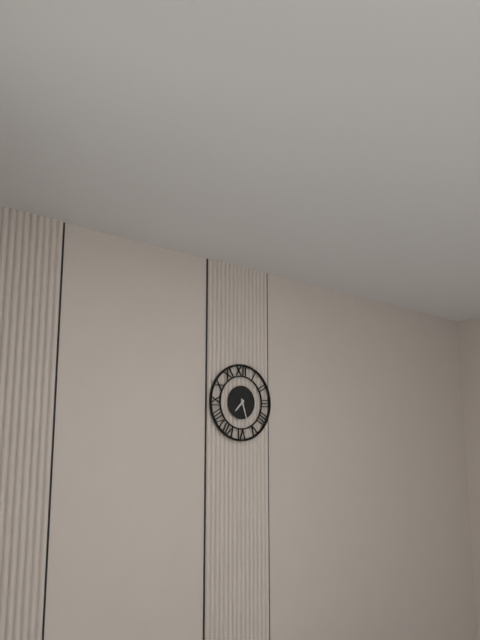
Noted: **7:27**
